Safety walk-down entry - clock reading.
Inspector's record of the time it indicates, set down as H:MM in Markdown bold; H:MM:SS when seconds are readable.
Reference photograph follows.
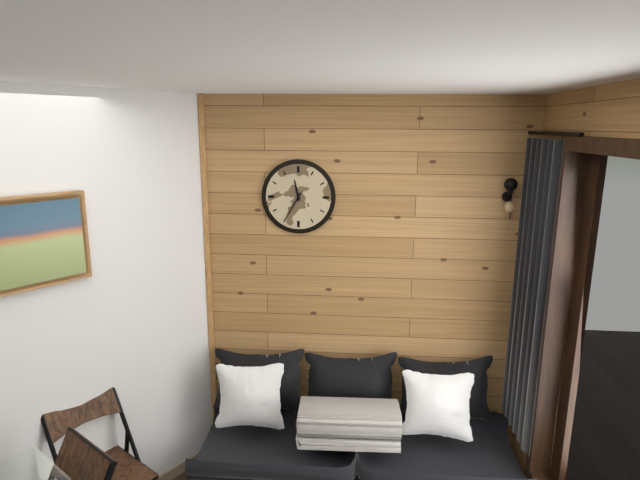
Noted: **11:35**
